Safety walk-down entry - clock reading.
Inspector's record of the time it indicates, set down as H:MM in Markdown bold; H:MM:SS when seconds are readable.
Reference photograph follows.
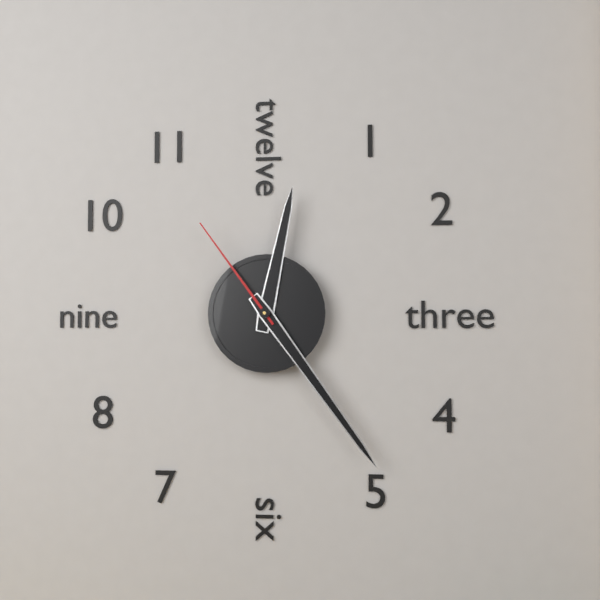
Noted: **12:24:54**
